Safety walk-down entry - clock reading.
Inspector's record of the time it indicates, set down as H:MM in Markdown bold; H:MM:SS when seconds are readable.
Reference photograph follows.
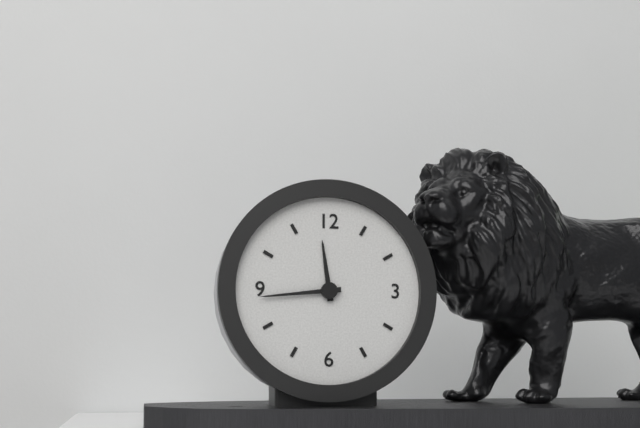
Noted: **11:44**
